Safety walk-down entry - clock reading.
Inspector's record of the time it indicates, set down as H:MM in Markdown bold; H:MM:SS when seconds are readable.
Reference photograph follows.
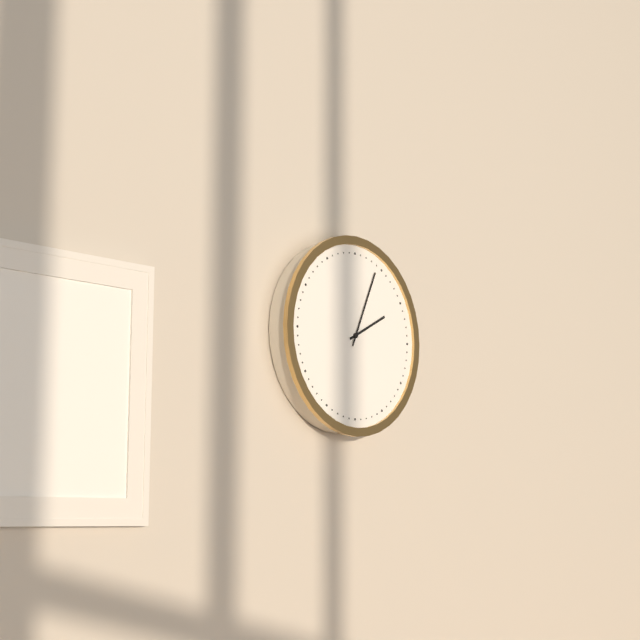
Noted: **2:04**
